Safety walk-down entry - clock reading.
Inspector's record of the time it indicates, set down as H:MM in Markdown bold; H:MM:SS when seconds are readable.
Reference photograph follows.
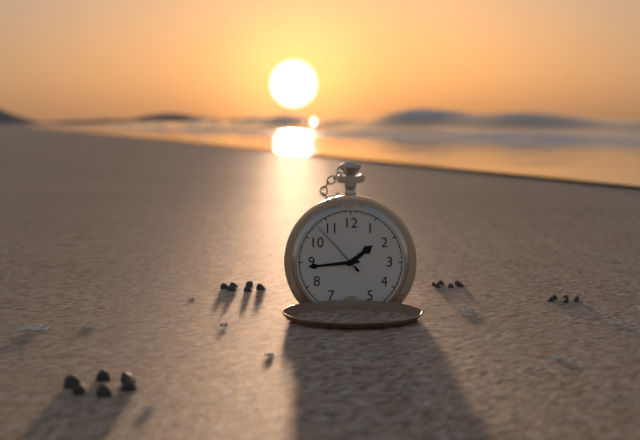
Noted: **1:44:53**
